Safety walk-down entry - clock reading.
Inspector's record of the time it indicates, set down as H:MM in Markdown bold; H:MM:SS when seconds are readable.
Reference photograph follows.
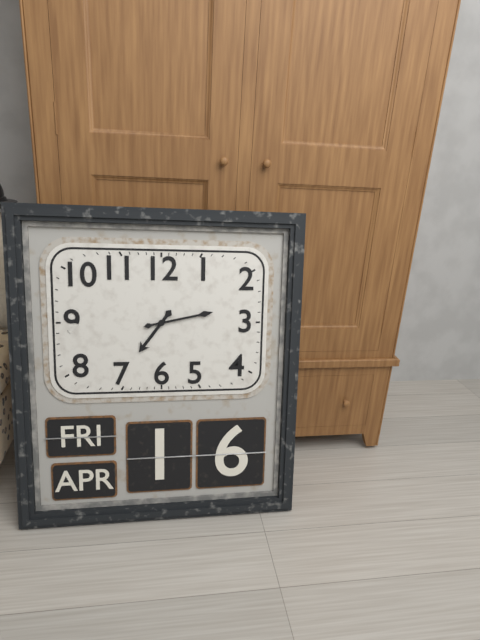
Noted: **7:13**
